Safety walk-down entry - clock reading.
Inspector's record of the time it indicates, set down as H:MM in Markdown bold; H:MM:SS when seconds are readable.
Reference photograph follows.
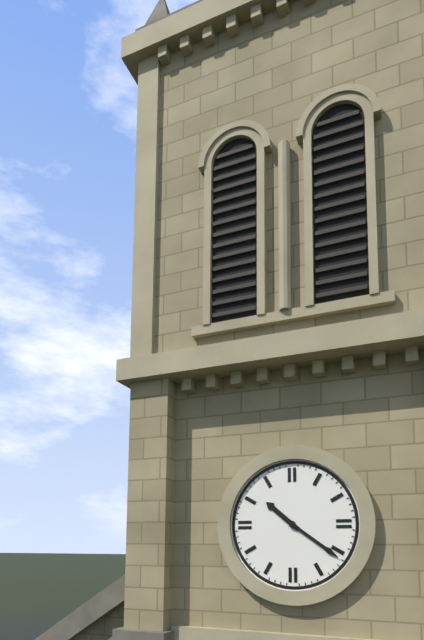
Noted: **10:21**
